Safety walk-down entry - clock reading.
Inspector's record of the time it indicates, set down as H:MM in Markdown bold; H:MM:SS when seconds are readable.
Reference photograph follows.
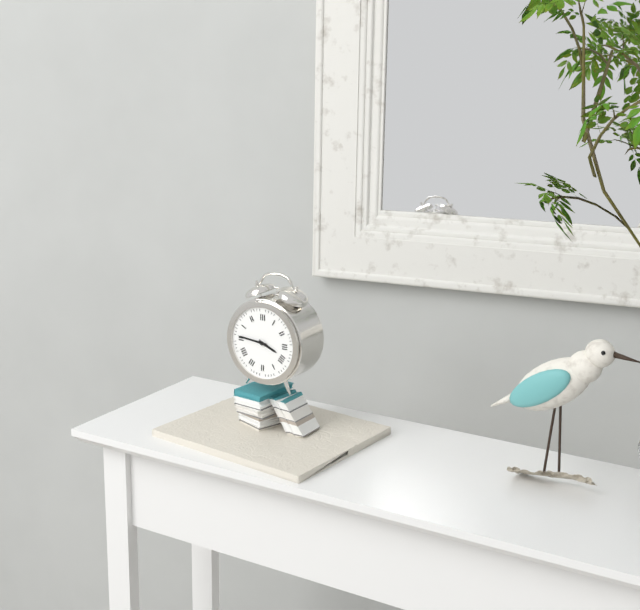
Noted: **3:46**
